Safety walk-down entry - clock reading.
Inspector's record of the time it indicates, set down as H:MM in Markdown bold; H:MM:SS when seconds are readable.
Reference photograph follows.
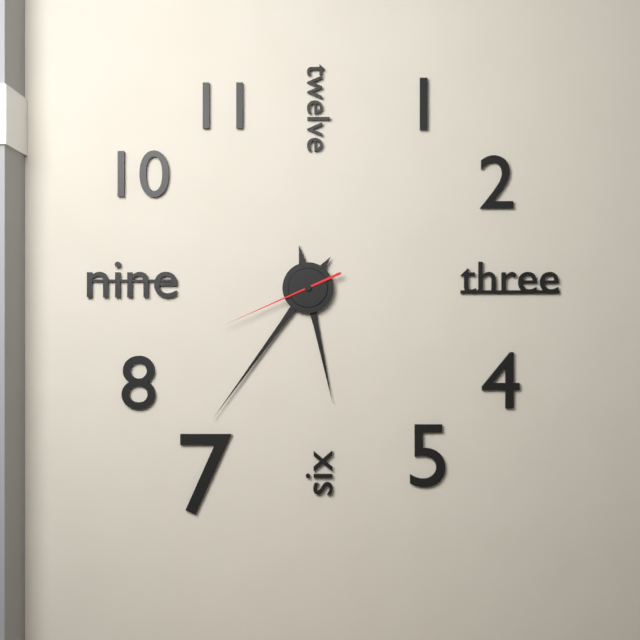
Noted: **5:36:41**
